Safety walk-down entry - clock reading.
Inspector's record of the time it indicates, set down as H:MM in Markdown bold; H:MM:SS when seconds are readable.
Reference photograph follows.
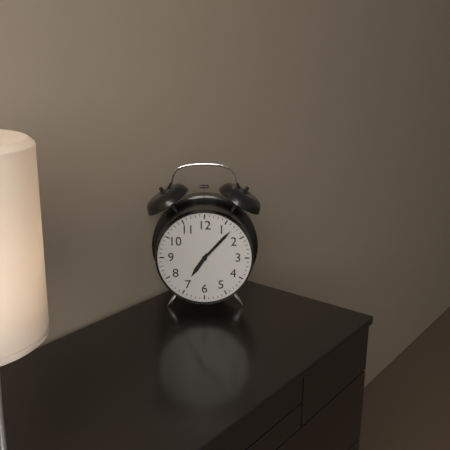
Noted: **7:07**
